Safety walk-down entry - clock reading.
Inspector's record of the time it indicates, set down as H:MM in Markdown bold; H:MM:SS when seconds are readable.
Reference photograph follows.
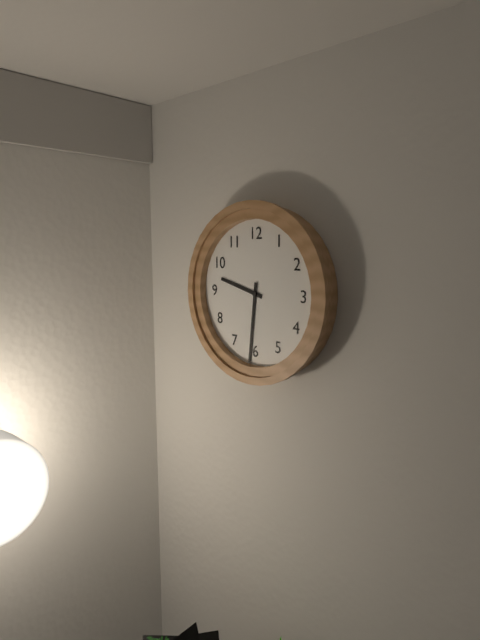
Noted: **9:31**
